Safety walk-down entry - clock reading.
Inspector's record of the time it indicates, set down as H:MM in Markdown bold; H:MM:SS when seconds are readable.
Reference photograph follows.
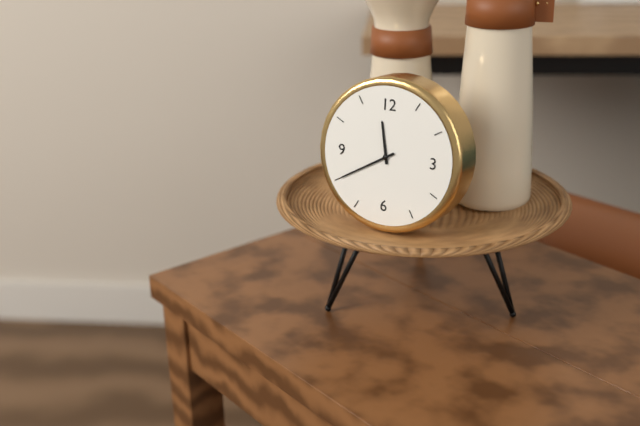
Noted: **11:40**
